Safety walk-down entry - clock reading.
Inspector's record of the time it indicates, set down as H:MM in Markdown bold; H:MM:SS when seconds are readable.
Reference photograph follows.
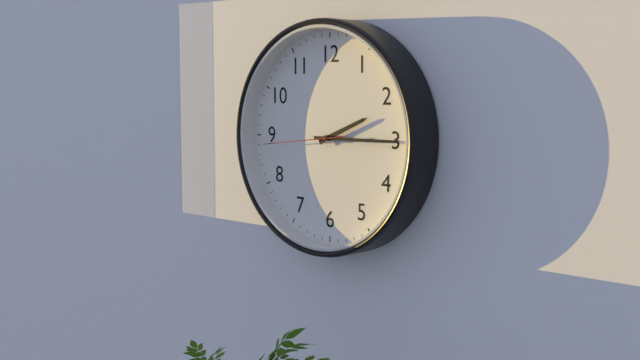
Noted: **2:15:44**
